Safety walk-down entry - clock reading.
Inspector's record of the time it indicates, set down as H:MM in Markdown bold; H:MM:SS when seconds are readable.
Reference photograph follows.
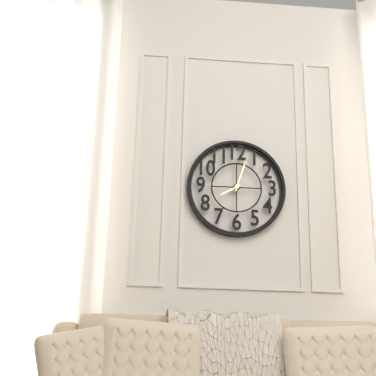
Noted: **8:03**
